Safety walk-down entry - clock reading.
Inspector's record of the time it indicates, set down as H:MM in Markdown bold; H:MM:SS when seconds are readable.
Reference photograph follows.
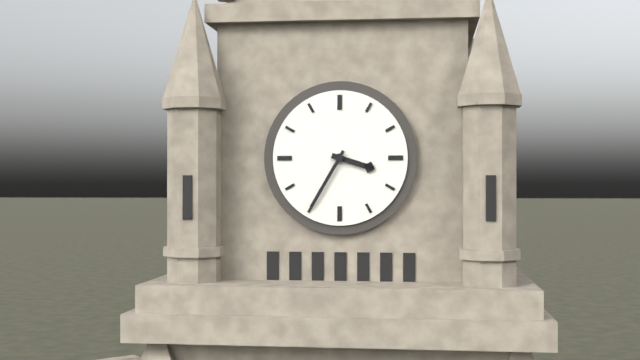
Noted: **3:35**
